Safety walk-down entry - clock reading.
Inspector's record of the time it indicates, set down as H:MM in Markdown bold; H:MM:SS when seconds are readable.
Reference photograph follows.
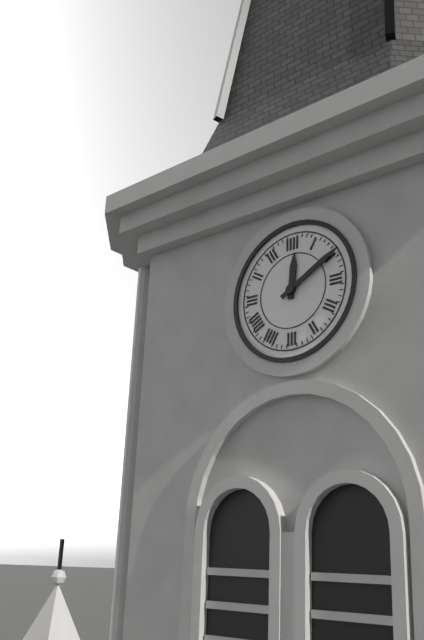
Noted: **12:10**
